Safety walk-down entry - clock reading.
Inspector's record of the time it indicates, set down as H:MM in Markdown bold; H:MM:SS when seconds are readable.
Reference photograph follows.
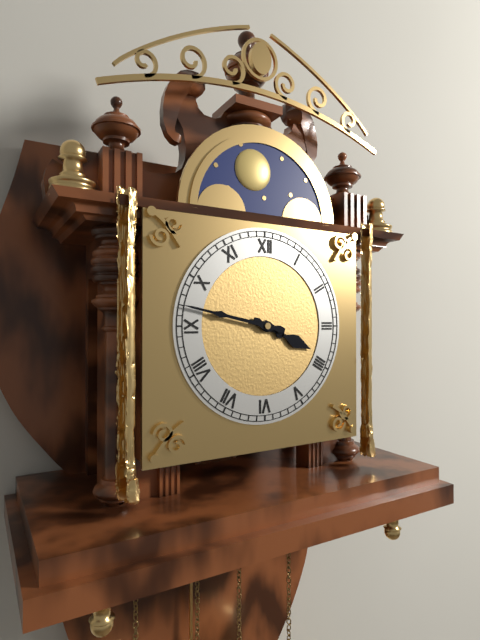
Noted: **3:47**
